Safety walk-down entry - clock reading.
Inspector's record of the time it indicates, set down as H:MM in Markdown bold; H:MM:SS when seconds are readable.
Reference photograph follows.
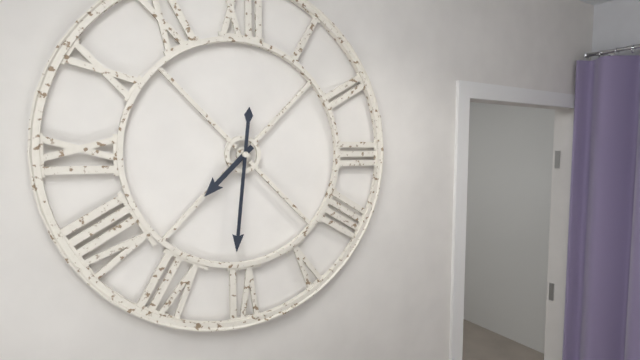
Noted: **7:31**
